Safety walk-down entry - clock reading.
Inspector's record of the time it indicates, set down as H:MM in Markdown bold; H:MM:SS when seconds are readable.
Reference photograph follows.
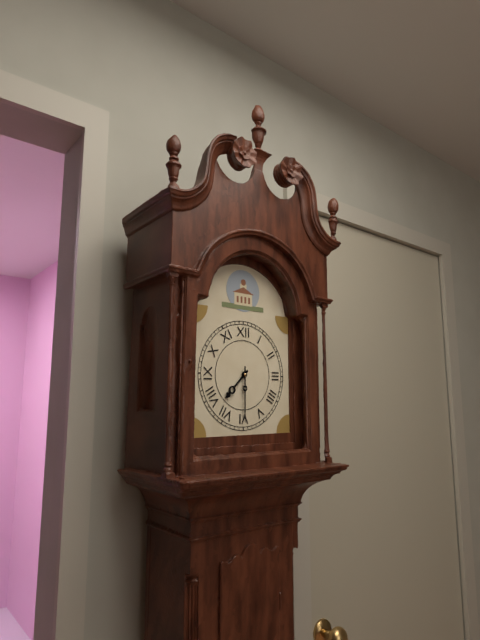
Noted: **7:30**
